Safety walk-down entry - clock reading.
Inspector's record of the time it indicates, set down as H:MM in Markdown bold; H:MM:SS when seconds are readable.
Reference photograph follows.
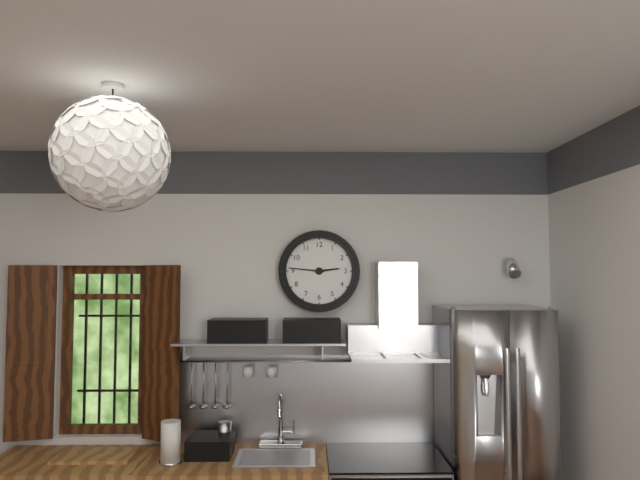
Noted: **2:46**
